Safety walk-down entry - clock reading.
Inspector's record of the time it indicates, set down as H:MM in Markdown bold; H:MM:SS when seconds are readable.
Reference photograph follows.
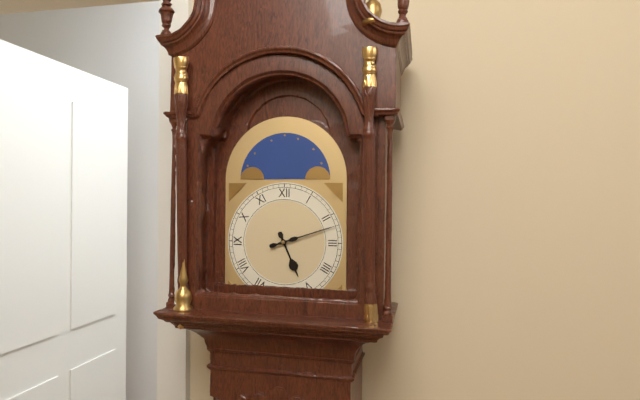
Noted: **5:12**
